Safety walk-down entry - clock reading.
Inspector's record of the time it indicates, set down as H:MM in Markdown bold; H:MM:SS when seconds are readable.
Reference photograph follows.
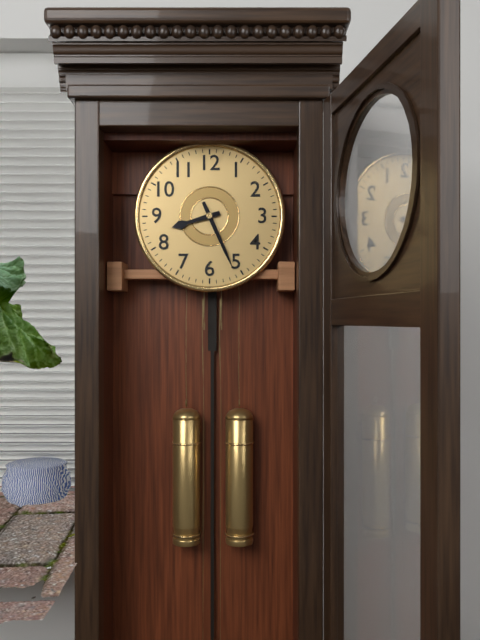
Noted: **8:26**
